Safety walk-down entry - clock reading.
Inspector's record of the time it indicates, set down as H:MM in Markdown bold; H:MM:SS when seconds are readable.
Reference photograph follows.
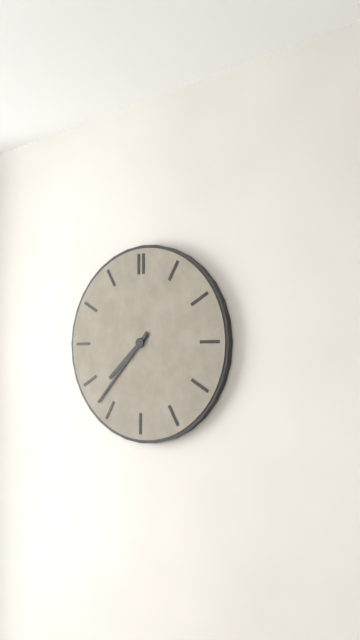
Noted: **7:37**
